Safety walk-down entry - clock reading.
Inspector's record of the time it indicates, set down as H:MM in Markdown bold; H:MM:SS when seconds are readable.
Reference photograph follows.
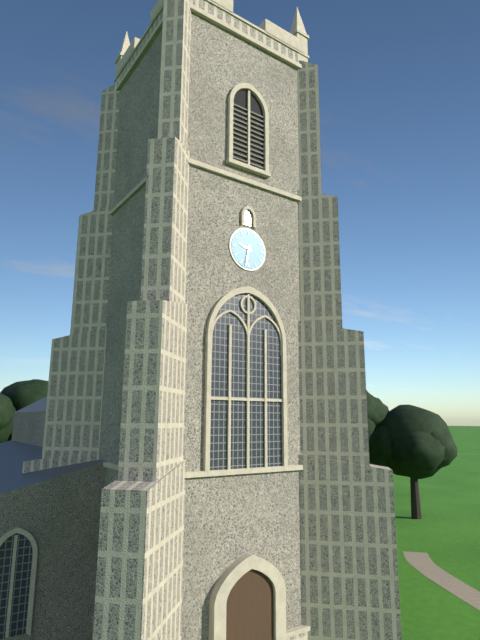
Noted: **9:32**
